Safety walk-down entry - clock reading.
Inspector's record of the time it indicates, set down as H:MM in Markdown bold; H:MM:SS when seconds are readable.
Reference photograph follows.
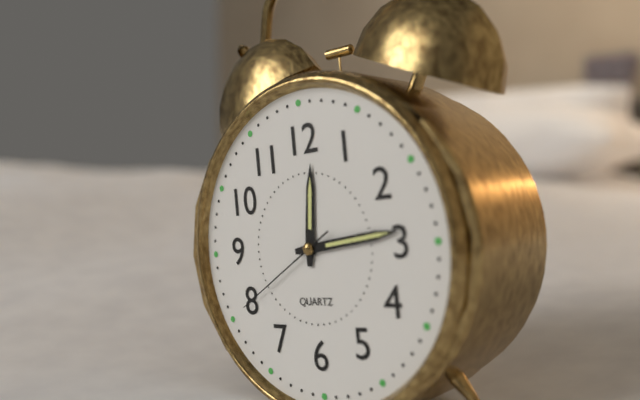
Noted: **12:14:40**
